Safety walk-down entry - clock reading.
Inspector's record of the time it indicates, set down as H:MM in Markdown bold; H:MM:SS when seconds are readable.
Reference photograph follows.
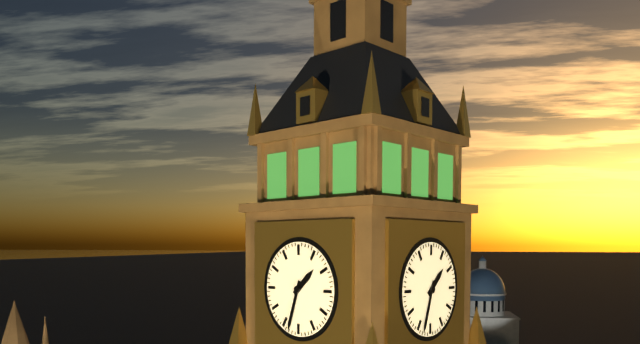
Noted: **1:33**
